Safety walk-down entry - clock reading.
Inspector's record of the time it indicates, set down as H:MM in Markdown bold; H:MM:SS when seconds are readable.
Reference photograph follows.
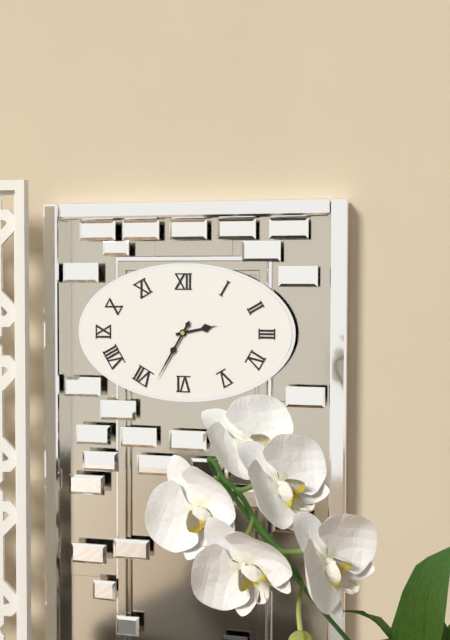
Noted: **2:35**
